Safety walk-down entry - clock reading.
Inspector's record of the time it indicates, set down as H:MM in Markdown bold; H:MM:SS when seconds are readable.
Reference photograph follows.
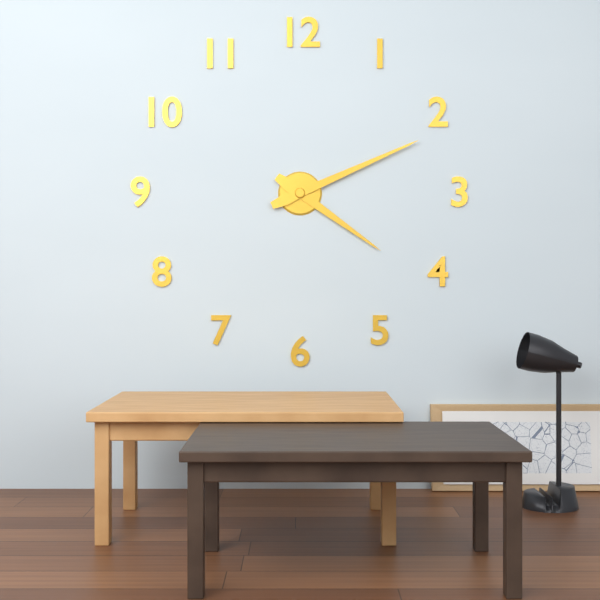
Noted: **4:11**
